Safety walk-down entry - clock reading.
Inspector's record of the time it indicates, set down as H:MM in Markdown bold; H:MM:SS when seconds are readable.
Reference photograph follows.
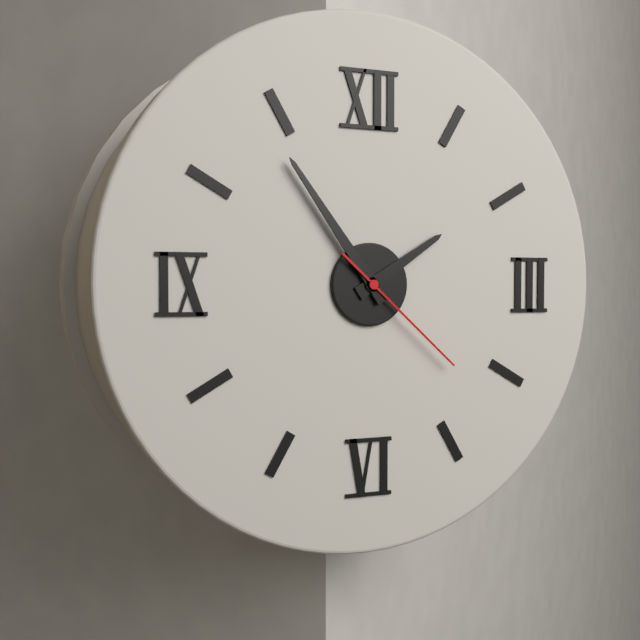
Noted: **1:54:22**
